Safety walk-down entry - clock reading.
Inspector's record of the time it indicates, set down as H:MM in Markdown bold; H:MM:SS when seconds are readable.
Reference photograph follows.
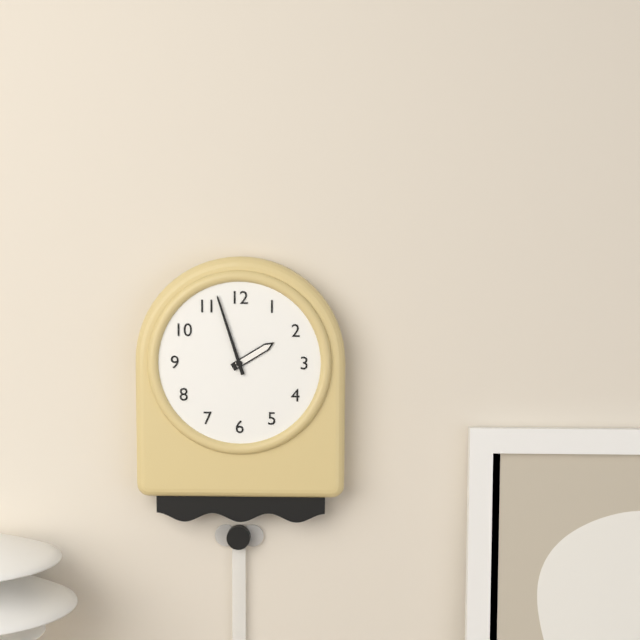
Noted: **1:57**
